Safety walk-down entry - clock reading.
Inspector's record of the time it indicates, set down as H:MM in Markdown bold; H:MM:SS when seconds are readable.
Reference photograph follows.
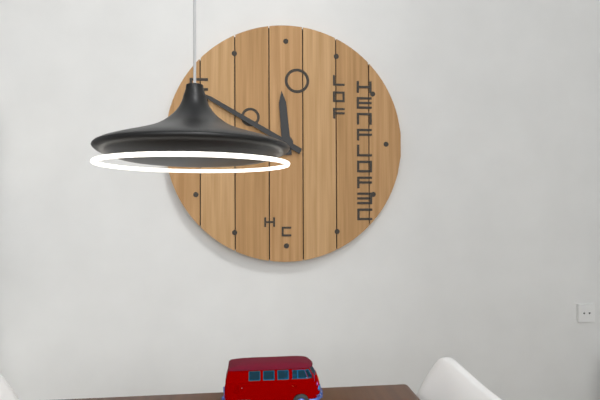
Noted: **11:50**
